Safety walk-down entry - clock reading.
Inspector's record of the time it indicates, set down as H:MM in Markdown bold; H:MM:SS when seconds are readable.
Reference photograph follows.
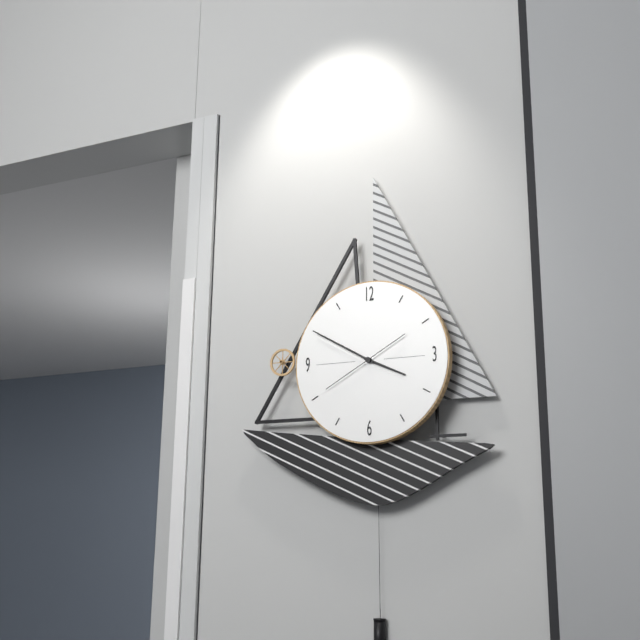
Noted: **3:50:40**
